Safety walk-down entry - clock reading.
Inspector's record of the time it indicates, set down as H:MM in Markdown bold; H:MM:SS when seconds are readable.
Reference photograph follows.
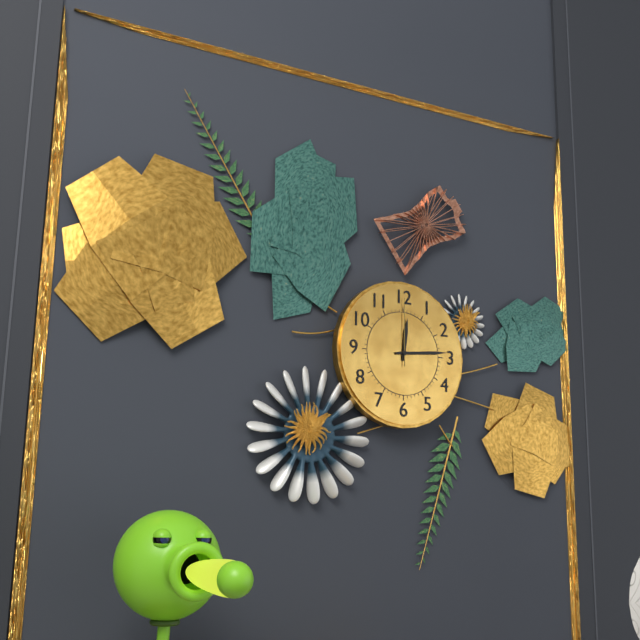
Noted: **12:14:00**
